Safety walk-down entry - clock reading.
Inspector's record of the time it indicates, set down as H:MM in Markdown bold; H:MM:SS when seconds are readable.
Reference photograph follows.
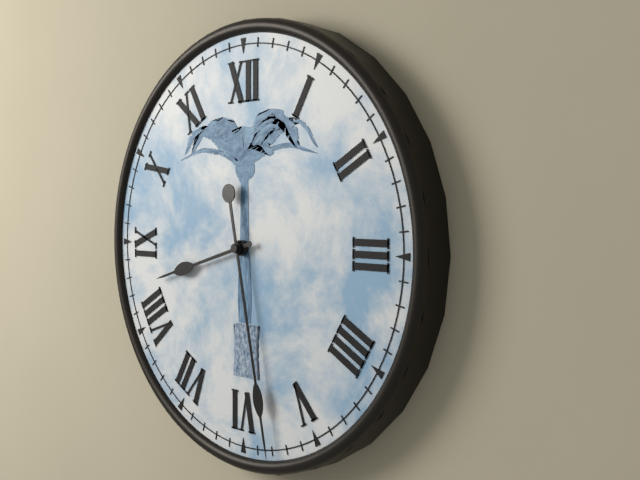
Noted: **8:28**
